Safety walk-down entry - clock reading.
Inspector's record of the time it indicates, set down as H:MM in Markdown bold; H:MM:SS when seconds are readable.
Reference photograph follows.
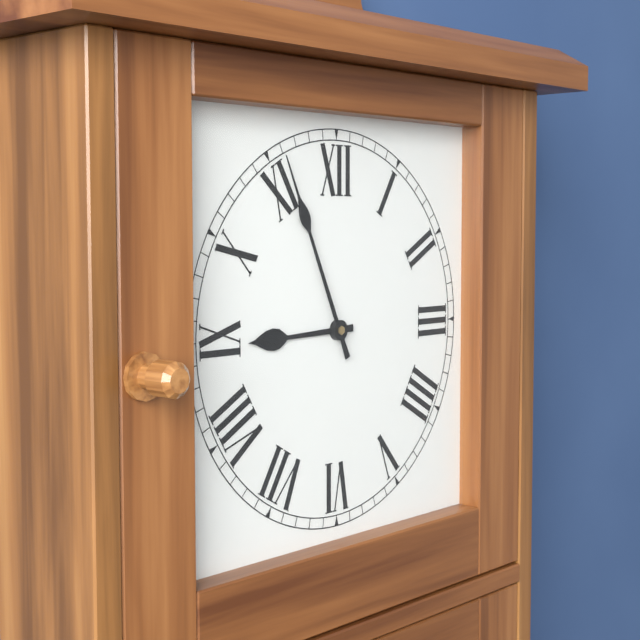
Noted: **8:56**
